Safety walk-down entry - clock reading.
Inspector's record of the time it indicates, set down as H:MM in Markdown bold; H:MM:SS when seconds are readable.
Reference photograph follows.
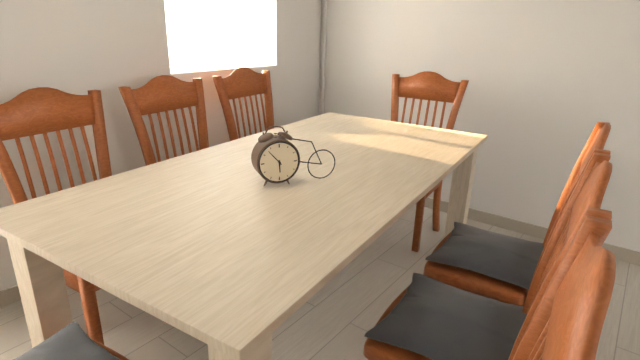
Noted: **5:53**
